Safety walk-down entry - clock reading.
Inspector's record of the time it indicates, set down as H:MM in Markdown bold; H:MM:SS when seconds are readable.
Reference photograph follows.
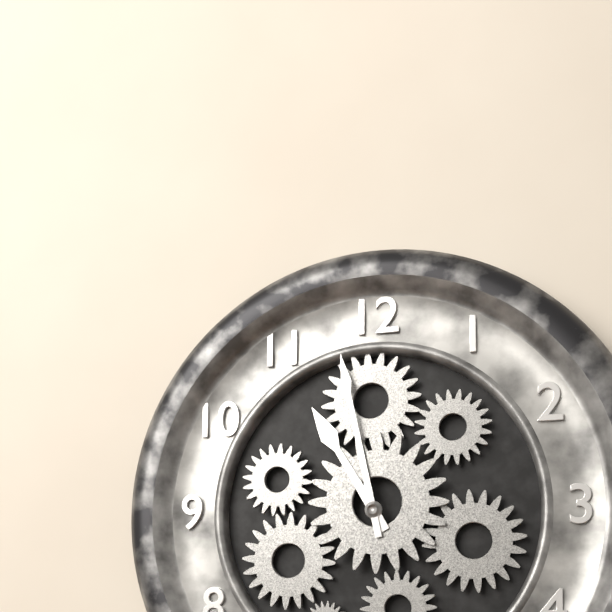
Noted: **10:58**
